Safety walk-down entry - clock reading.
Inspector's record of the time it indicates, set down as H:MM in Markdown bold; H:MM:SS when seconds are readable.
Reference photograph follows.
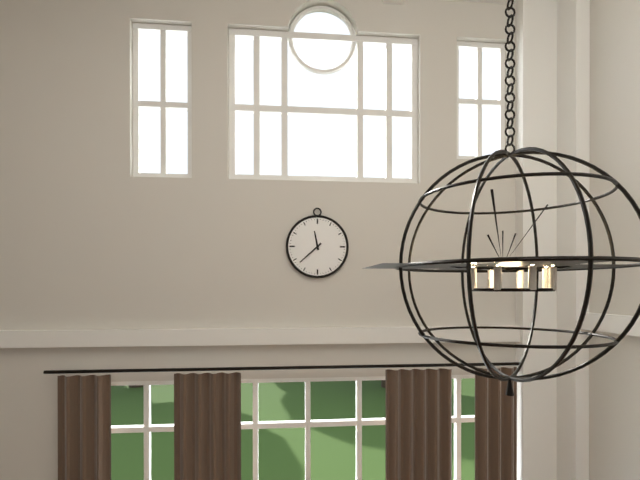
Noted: **11:38**
